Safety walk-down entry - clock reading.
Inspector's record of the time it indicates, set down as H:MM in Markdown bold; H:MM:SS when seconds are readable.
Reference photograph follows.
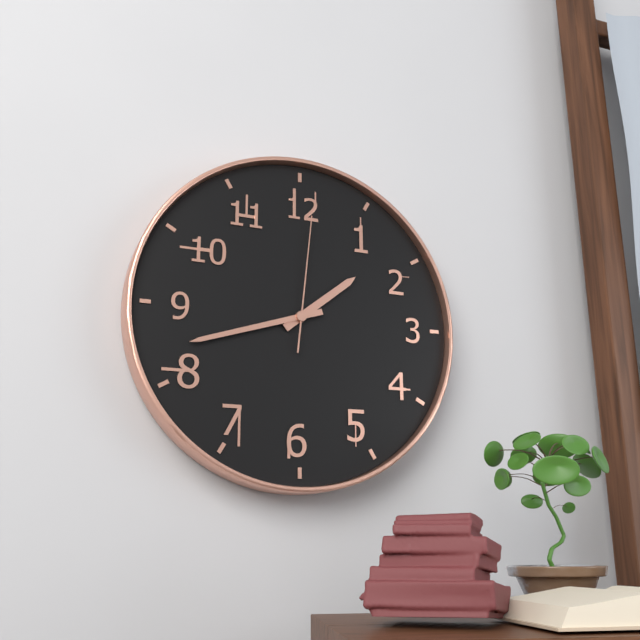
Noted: **1:42:01**
